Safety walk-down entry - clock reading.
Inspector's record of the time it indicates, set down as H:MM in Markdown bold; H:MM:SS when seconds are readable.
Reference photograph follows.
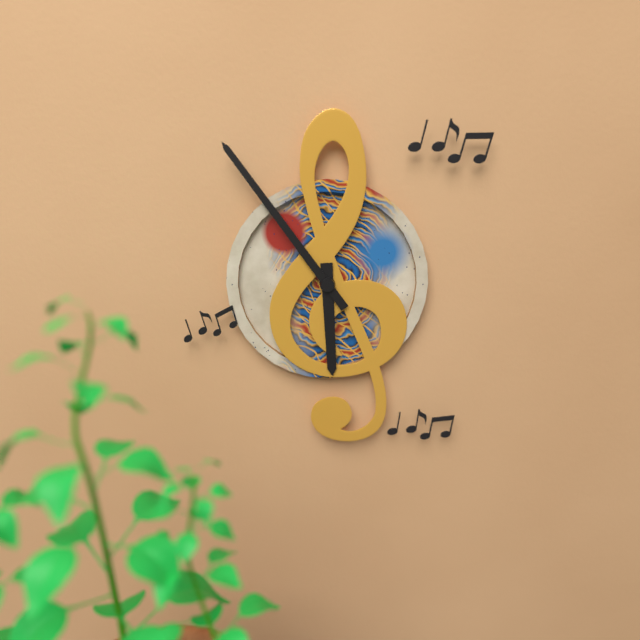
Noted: **5:54**
